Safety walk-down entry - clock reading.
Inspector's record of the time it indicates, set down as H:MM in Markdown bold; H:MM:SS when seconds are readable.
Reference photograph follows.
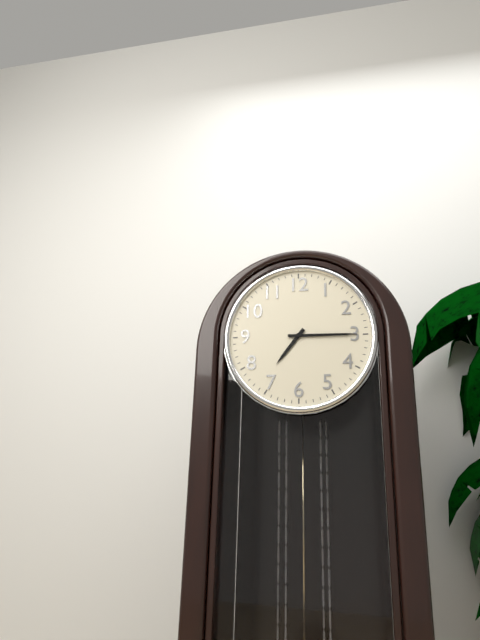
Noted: **7:15**
